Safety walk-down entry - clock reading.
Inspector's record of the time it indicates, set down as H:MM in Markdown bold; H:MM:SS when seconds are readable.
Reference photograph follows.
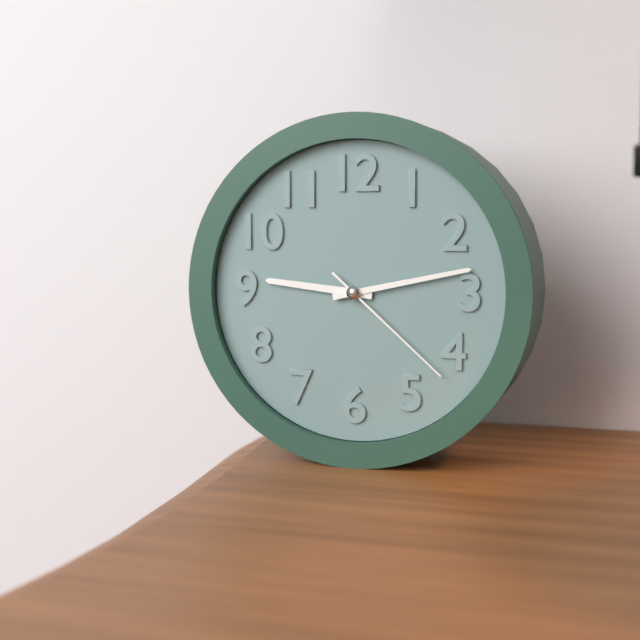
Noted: **9:13:22**
